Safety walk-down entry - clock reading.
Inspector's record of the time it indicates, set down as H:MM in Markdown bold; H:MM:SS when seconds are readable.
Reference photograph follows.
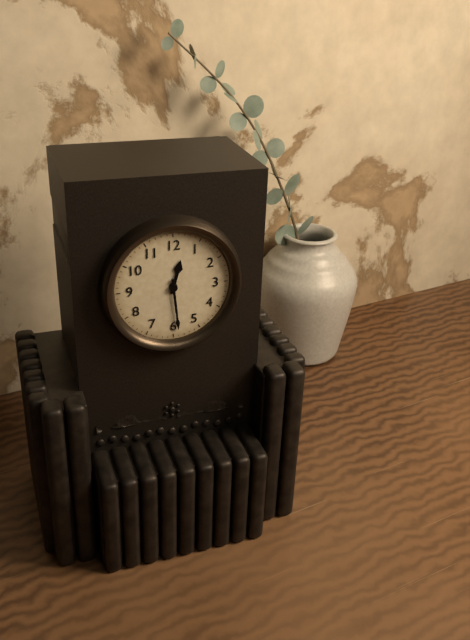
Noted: **12:29**
